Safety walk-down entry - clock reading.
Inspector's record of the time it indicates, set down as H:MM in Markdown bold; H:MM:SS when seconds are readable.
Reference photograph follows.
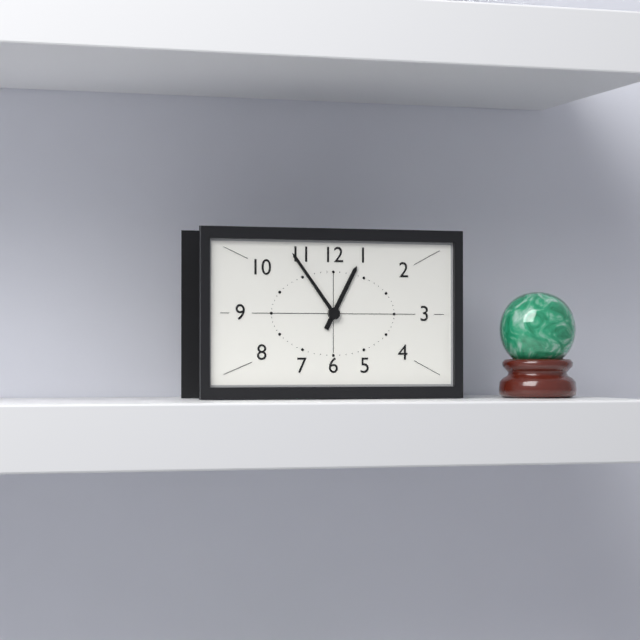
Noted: **12:54**
